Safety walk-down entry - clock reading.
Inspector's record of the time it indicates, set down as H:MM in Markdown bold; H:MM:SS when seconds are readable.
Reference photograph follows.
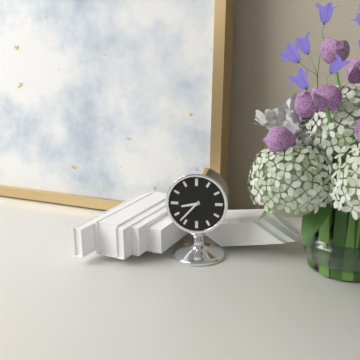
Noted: **8:37**
